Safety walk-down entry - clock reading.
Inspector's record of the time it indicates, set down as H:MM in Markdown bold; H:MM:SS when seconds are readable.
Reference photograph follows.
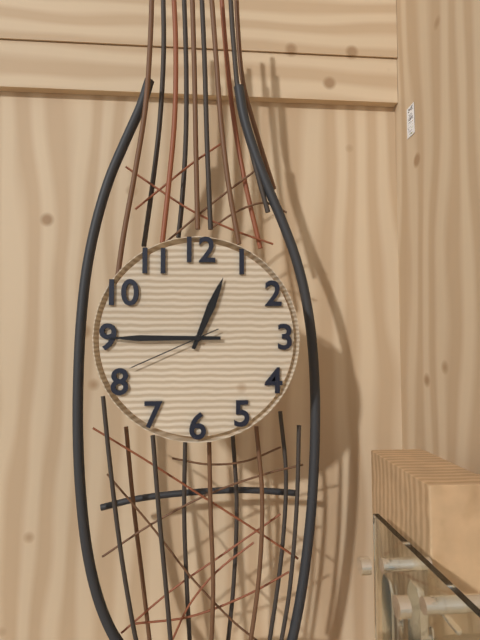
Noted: **12:45:41**
